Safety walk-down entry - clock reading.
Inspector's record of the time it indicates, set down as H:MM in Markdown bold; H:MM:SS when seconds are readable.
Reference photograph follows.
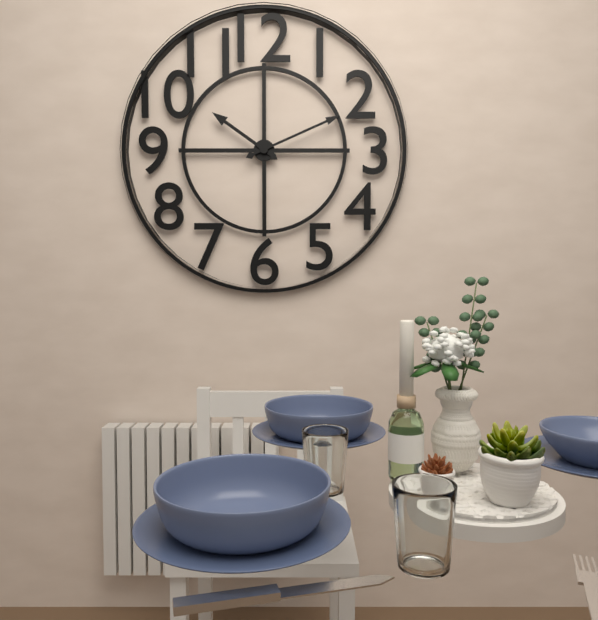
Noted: **10:11**
